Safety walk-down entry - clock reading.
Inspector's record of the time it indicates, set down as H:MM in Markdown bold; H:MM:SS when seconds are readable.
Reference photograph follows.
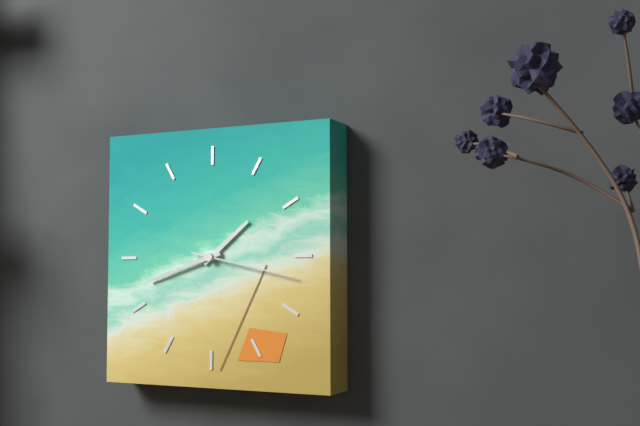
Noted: **1:42:17**
